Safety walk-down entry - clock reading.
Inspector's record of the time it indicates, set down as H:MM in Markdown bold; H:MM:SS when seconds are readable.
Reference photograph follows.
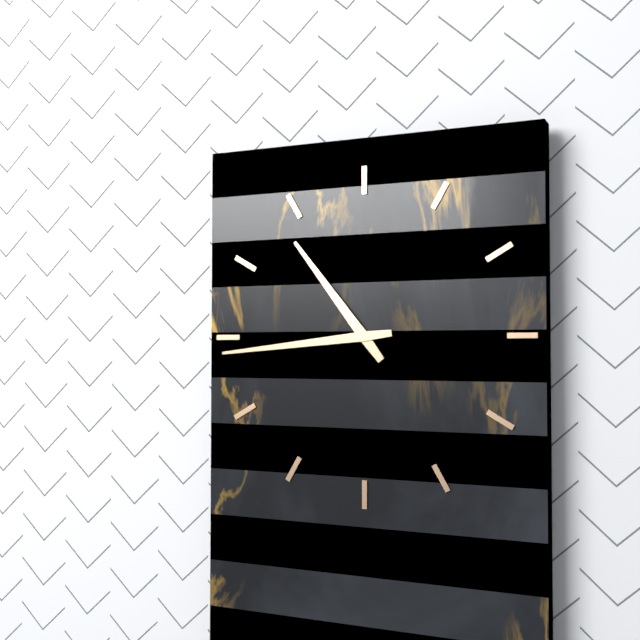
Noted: **10:44**
